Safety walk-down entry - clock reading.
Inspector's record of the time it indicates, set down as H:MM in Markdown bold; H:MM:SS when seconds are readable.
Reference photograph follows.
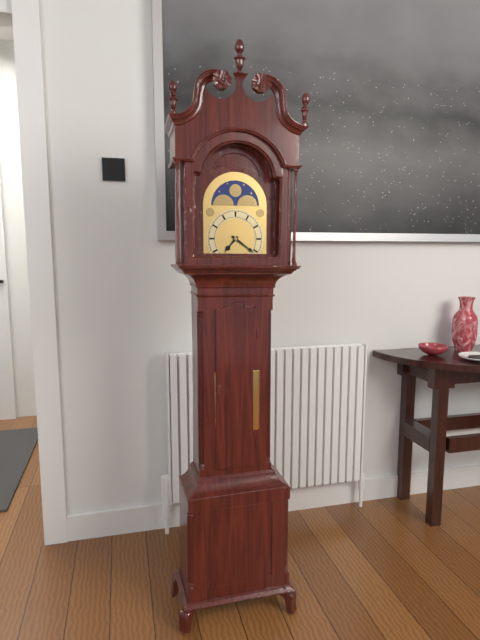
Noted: **7:21**
